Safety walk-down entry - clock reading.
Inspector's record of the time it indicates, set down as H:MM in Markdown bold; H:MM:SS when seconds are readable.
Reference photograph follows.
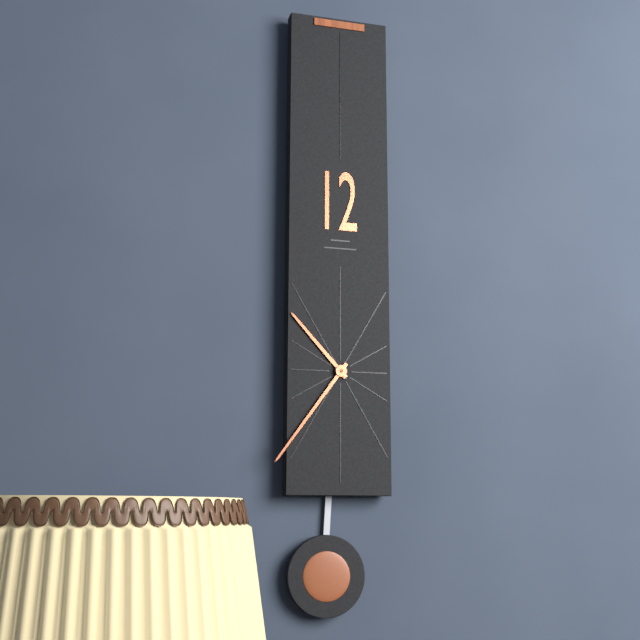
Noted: **10:36**
